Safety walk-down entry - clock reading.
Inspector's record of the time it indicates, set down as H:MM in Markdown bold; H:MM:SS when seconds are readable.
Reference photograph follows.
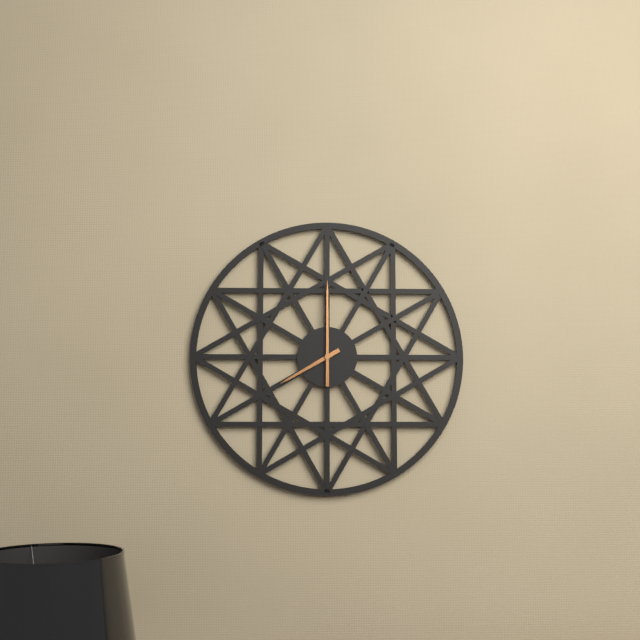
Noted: **8:00**
